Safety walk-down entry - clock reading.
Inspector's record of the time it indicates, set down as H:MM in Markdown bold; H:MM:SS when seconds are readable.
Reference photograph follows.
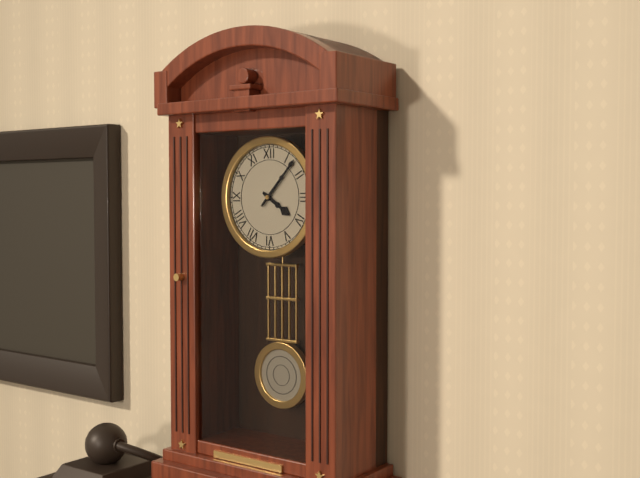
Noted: **4:07**
